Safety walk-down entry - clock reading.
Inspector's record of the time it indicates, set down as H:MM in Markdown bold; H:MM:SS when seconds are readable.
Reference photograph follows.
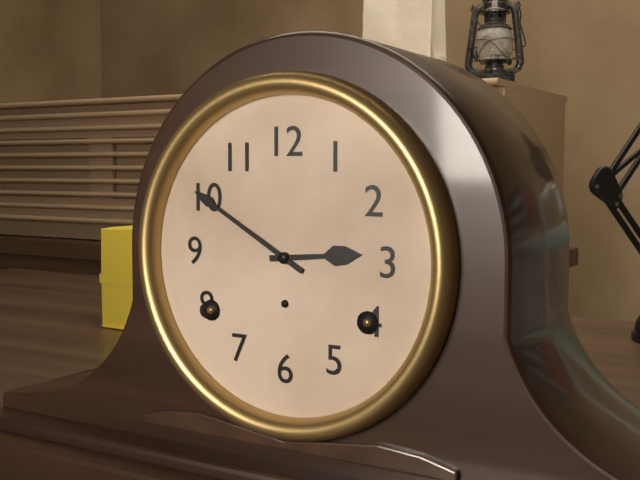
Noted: **2:50**
